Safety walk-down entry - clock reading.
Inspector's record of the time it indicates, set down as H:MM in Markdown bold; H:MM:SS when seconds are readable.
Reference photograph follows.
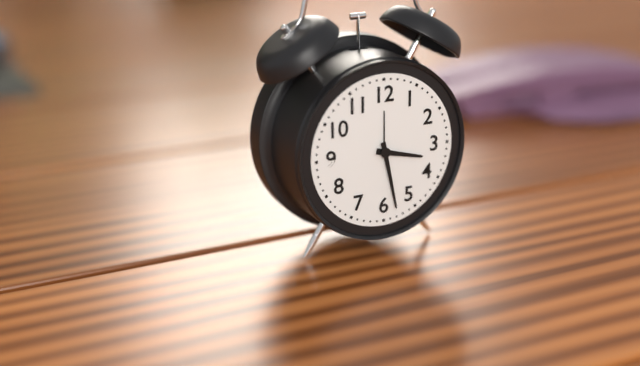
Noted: **3:28**
